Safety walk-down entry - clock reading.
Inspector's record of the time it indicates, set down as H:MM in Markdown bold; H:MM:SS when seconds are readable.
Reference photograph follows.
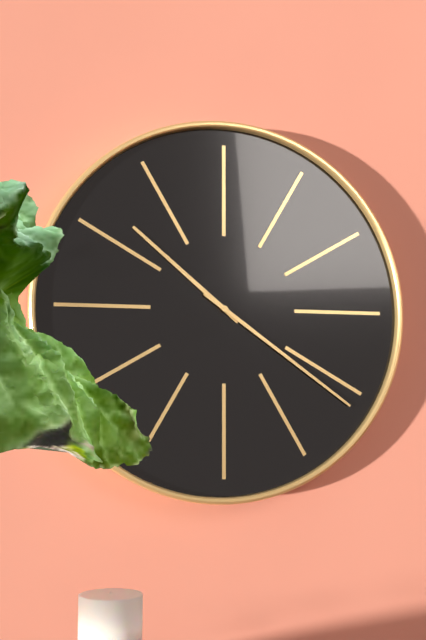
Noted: **10:21**
